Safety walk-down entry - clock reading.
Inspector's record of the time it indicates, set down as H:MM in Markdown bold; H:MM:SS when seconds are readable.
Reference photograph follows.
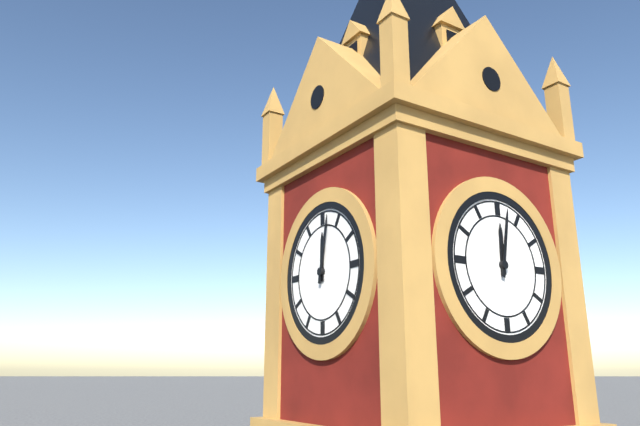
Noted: **12:02**
